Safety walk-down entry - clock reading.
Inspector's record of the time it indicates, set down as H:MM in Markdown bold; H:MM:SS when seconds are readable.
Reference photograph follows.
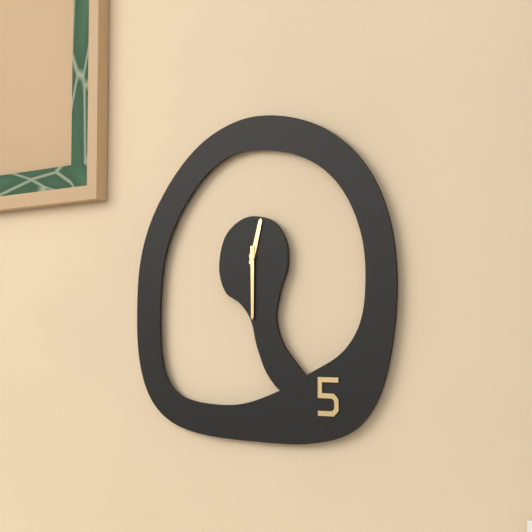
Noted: **12:30**
